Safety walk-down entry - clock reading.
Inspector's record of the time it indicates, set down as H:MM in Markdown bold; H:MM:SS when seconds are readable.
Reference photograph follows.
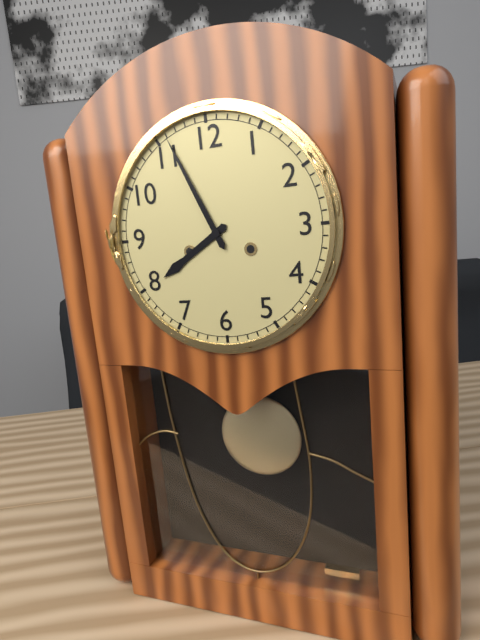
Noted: **7:56**
